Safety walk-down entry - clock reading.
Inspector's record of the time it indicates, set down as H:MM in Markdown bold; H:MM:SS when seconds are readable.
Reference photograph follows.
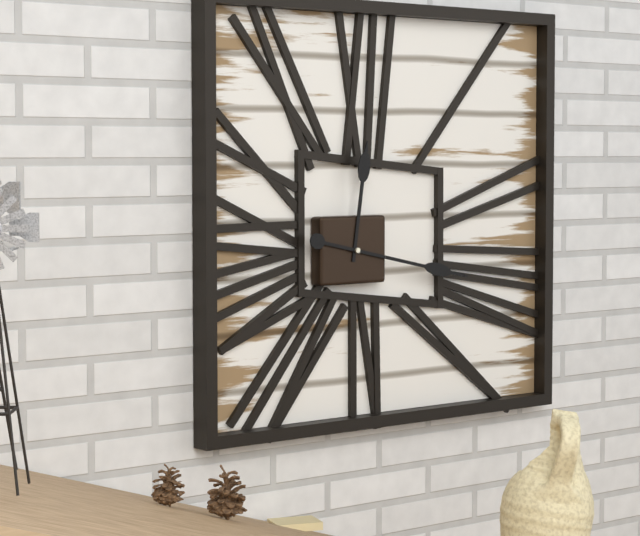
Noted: **12:17**
